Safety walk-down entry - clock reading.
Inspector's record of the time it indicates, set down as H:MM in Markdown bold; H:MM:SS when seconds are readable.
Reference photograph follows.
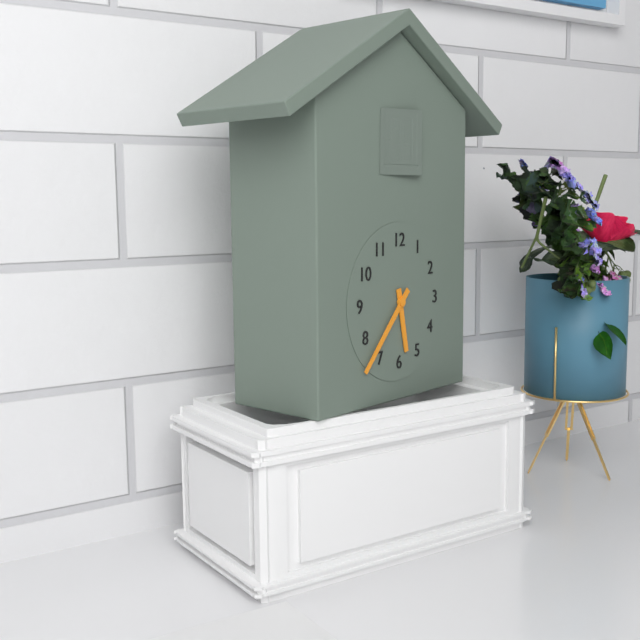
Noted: **5:37**
